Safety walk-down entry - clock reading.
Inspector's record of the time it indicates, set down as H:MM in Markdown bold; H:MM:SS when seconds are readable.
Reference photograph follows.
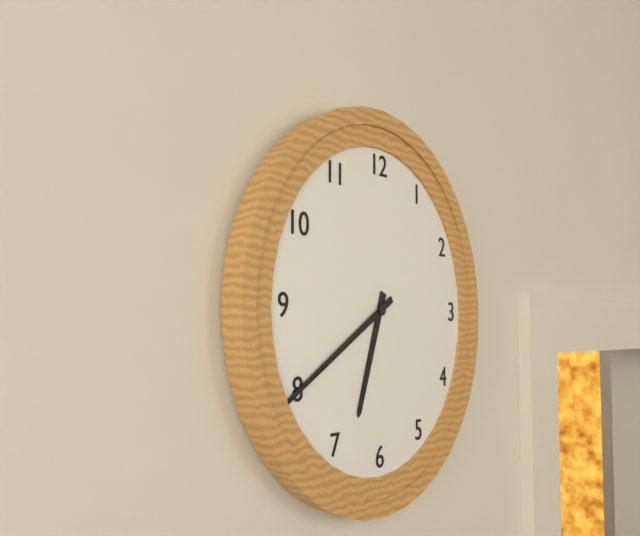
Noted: **6:40**
